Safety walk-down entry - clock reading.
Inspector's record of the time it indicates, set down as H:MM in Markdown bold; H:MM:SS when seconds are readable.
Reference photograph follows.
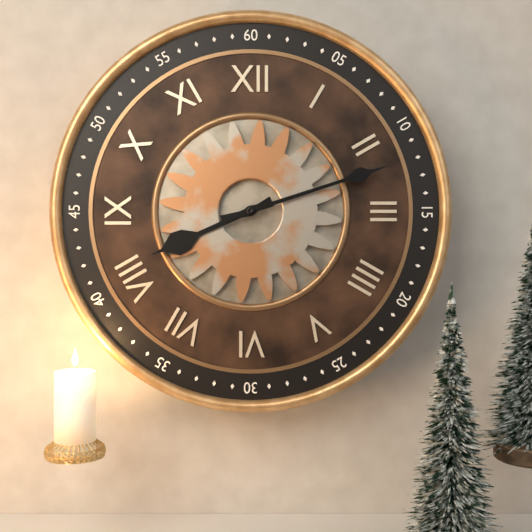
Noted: **8:12**
